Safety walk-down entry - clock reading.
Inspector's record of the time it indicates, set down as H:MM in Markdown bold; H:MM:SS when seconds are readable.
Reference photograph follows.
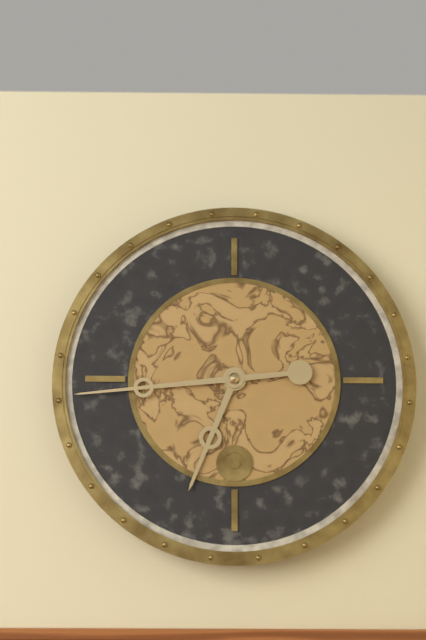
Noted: **6:44**
